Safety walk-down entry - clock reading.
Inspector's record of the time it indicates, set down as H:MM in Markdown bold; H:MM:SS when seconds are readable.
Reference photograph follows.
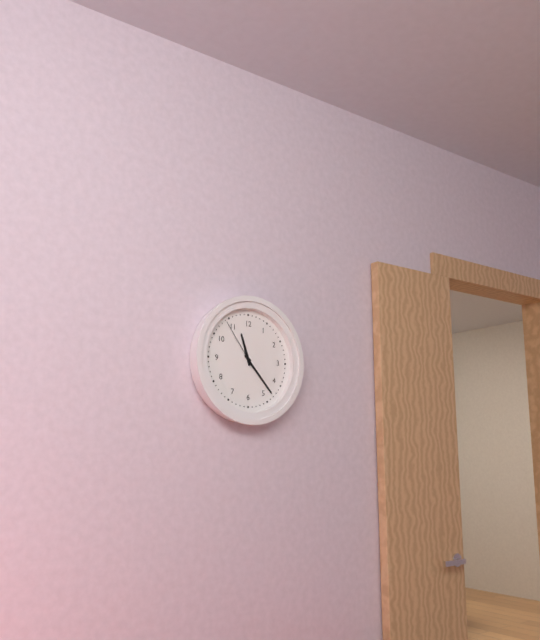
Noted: **11:23:54**
